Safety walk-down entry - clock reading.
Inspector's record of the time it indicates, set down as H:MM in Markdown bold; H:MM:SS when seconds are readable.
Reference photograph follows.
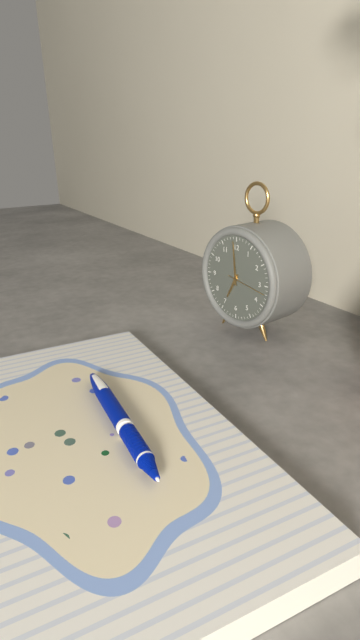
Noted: **6:59**
